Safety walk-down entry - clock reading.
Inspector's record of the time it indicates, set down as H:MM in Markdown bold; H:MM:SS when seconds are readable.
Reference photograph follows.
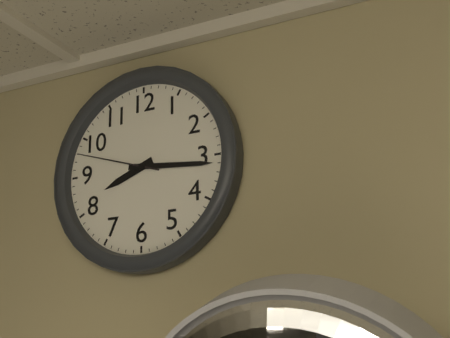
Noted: **8:16:48**
